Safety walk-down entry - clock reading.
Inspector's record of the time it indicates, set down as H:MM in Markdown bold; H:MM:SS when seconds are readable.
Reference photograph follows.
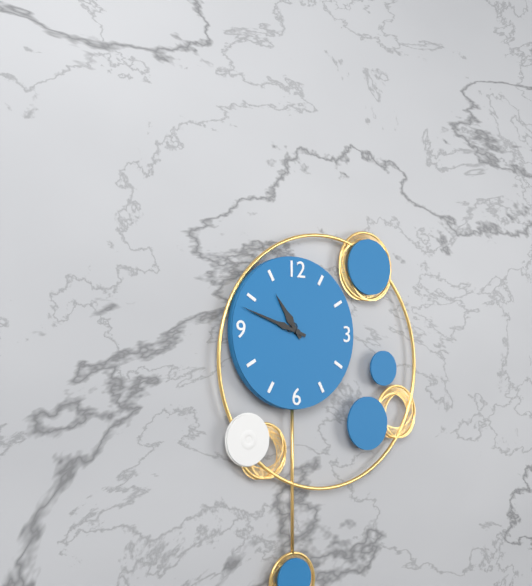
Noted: **10:48**
